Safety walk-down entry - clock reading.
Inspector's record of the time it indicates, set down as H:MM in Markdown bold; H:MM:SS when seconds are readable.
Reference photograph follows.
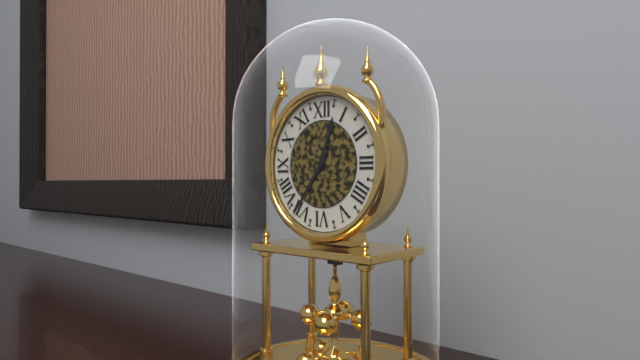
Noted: **12:36**
